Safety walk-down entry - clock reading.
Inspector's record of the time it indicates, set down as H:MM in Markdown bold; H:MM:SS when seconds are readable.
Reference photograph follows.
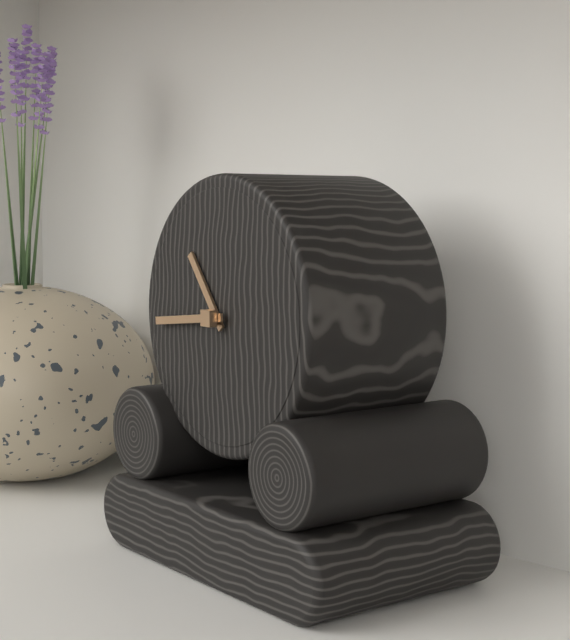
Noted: **10:44**
